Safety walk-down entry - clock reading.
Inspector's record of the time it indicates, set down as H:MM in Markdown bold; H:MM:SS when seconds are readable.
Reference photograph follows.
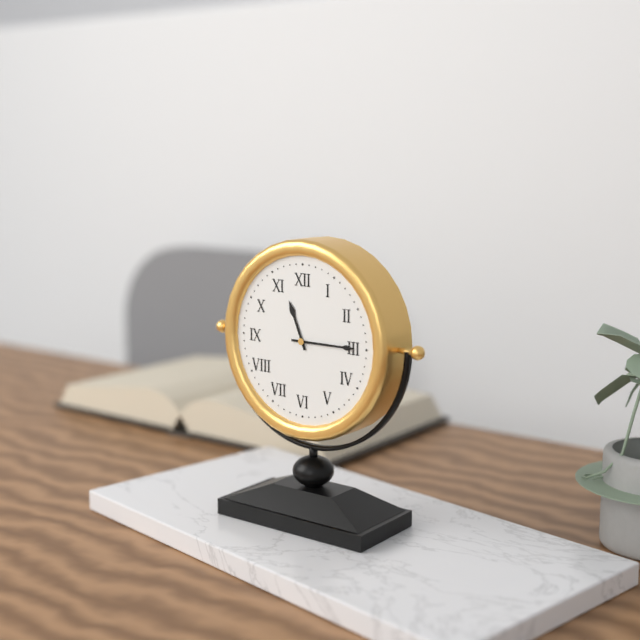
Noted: **11:15**
